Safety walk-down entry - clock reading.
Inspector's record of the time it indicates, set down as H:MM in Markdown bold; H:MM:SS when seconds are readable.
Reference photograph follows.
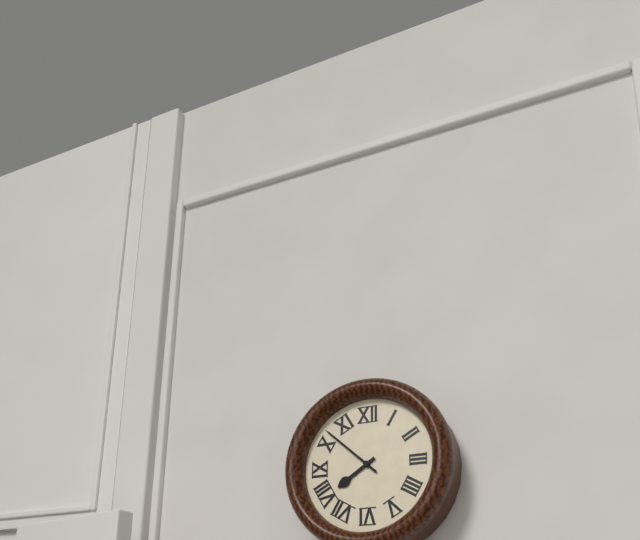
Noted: **7:52**
